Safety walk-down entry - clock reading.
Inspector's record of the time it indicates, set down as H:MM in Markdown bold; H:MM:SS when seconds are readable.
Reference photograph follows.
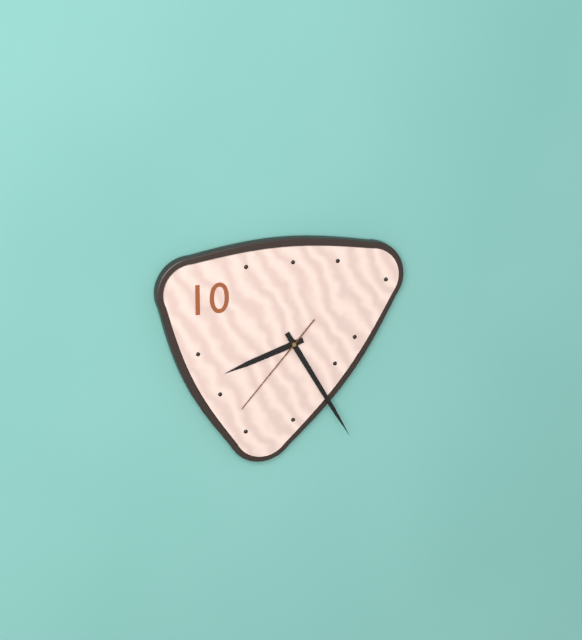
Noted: **8:25:37**
